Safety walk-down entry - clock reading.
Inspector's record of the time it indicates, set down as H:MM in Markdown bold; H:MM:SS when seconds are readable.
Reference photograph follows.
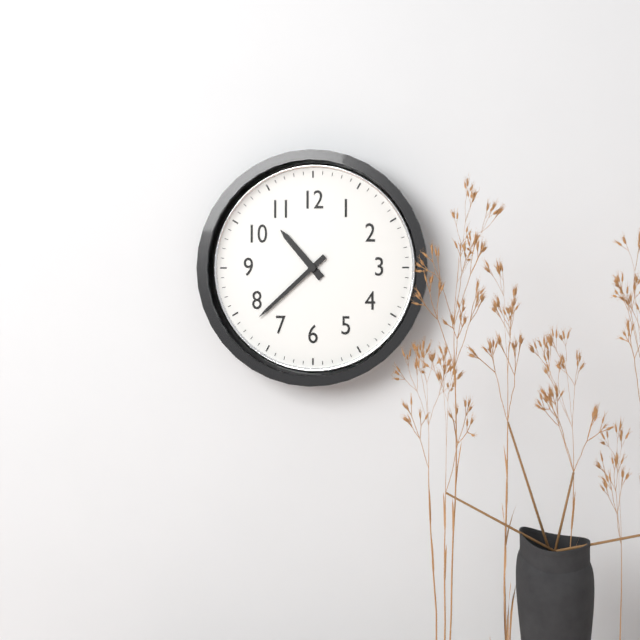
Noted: **10:38**
